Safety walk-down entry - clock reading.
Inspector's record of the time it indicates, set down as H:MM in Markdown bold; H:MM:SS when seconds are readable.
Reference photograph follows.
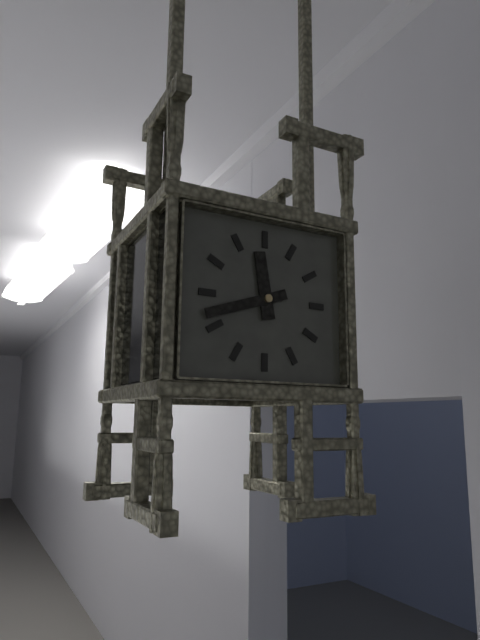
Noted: **11:42**
